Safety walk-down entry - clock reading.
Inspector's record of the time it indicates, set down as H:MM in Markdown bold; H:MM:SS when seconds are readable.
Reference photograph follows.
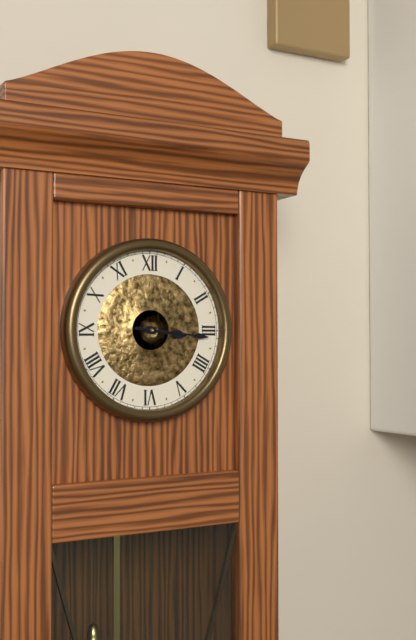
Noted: **3:16**
